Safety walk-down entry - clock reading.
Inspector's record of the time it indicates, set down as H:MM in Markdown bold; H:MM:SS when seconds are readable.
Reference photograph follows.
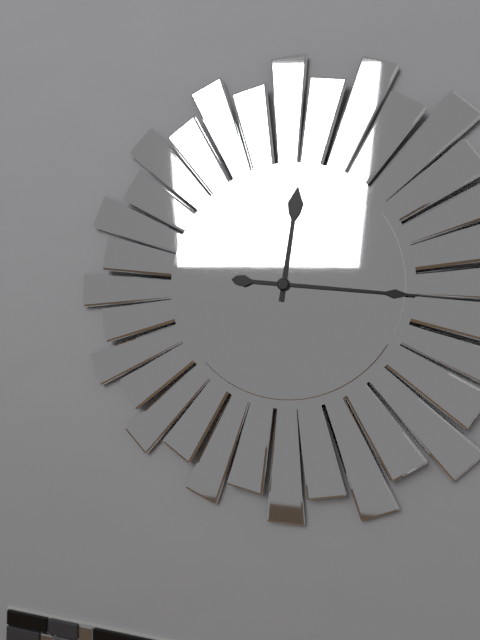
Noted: **12:16**
